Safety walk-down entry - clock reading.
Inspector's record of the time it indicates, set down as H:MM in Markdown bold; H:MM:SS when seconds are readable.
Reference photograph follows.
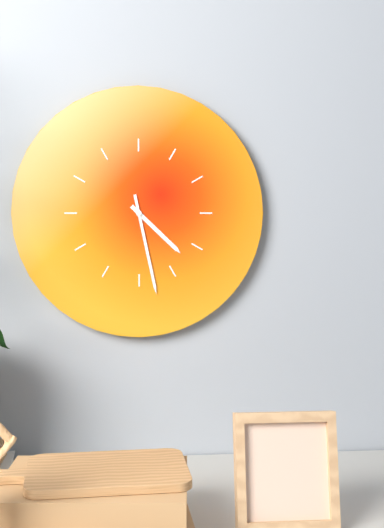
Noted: **4:28**
